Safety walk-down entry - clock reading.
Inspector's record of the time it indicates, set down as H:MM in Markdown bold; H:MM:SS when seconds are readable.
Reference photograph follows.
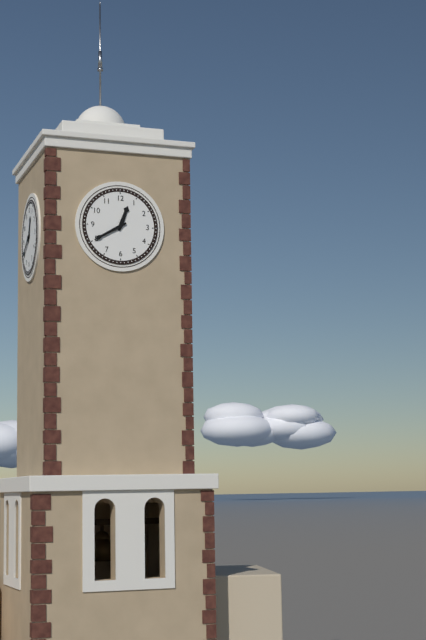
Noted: **12:40**
